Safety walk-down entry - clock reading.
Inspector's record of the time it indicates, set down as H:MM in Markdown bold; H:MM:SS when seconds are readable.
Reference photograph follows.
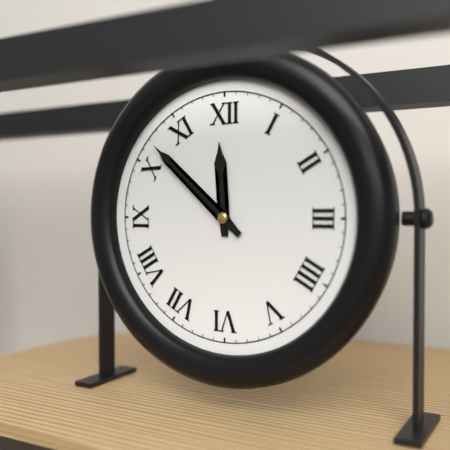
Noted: **11:52**
